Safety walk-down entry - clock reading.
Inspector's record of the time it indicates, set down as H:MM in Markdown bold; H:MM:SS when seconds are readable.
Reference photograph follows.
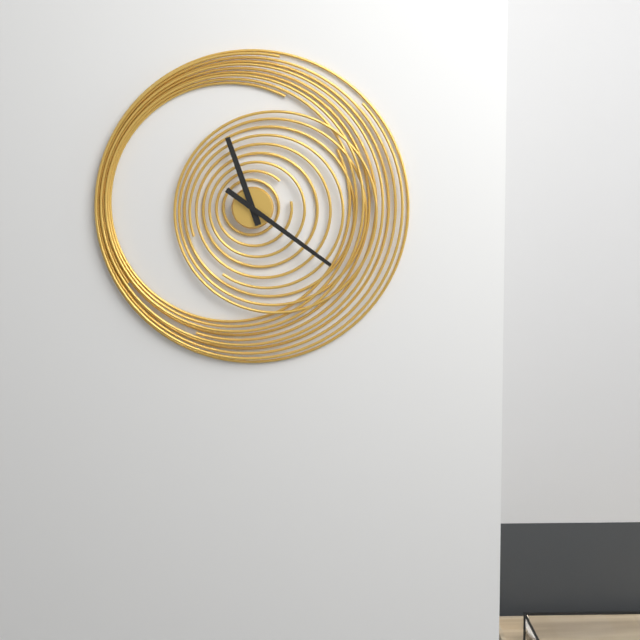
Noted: **11:21**
